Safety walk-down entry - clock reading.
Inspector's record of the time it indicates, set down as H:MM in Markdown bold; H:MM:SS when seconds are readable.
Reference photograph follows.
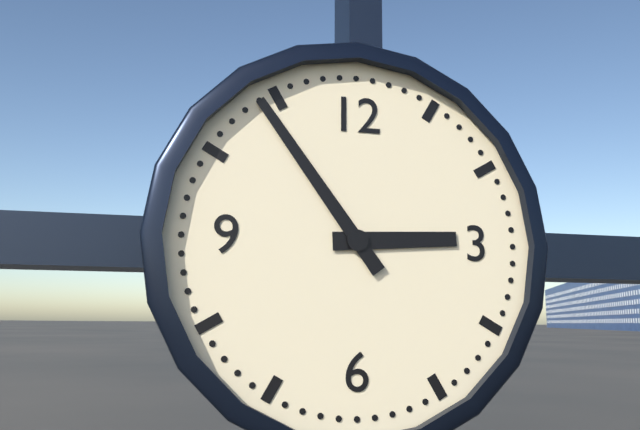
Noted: **2:54**
